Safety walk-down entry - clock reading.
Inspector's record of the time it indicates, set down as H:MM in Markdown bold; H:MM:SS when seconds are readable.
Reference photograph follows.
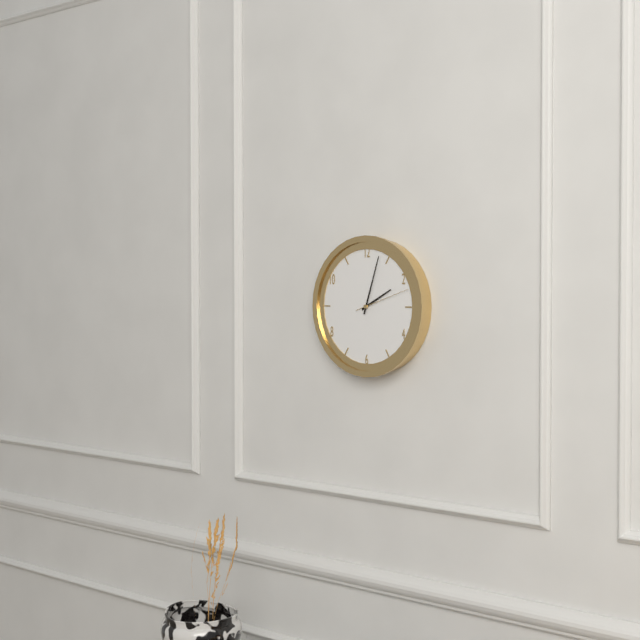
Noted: **2:03:12**
